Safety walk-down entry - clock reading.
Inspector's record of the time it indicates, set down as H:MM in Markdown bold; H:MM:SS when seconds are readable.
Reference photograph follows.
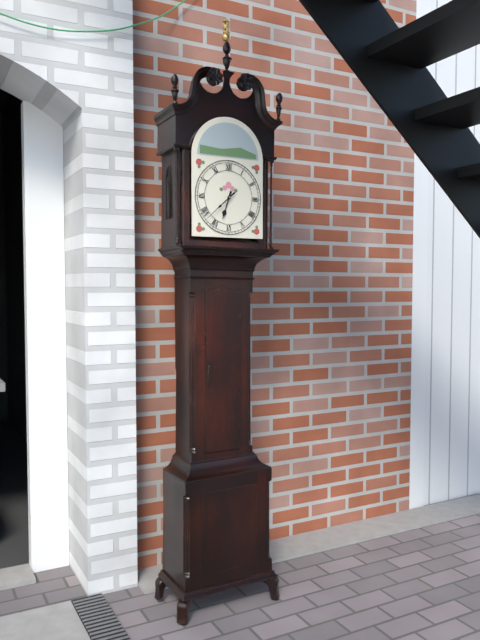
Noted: **6:38**
